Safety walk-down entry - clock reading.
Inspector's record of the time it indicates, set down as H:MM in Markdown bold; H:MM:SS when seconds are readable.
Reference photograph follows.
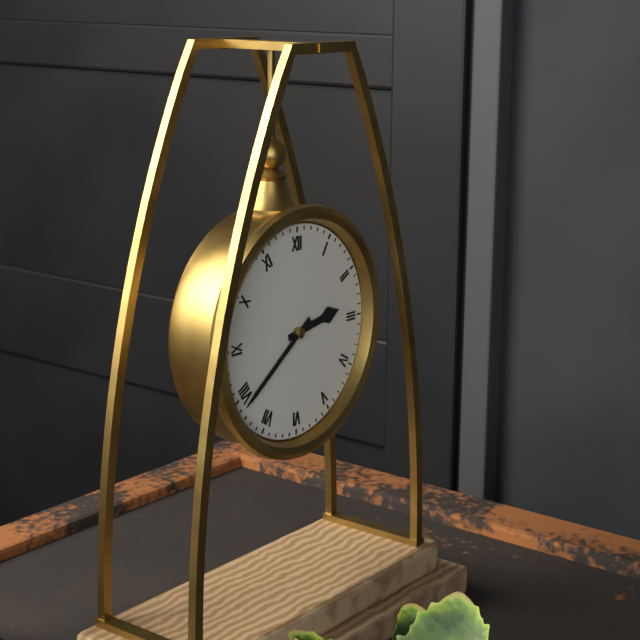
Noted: **2:39**
